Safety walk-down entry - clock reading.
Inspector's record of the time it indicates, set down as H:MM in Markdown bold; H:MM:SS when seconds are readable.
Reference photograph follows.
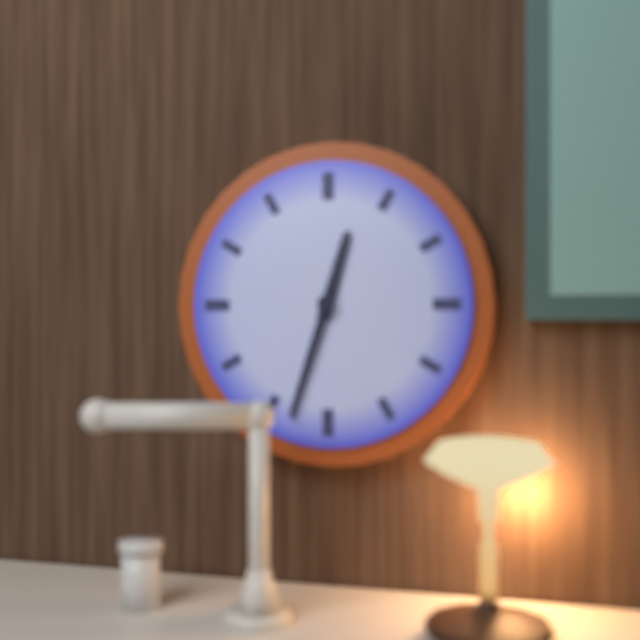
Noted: **12:33**
